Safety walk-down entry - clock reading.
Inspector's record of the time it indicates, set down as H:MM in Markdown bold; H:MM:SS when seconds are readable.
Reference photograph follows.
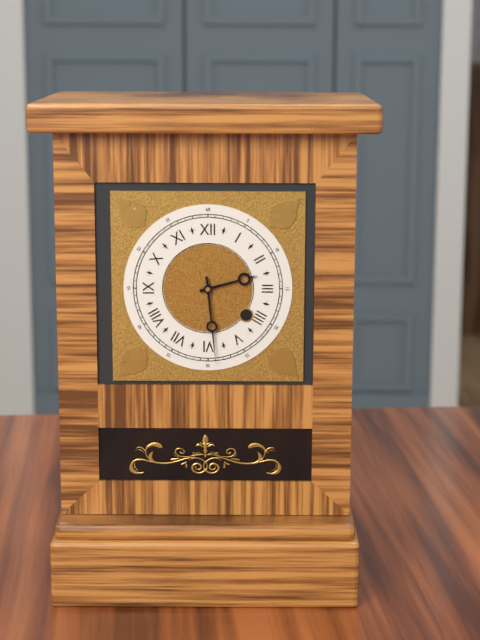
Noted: **2:29**
